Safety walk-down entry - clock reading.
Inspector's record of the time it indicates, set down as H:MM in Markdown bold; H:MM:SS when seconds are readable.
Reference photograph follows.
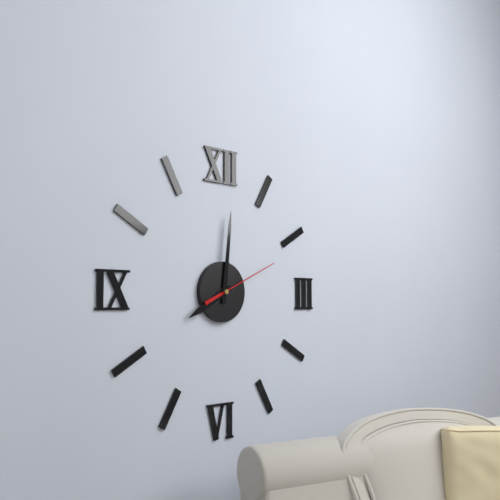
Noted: **8:01:11**
